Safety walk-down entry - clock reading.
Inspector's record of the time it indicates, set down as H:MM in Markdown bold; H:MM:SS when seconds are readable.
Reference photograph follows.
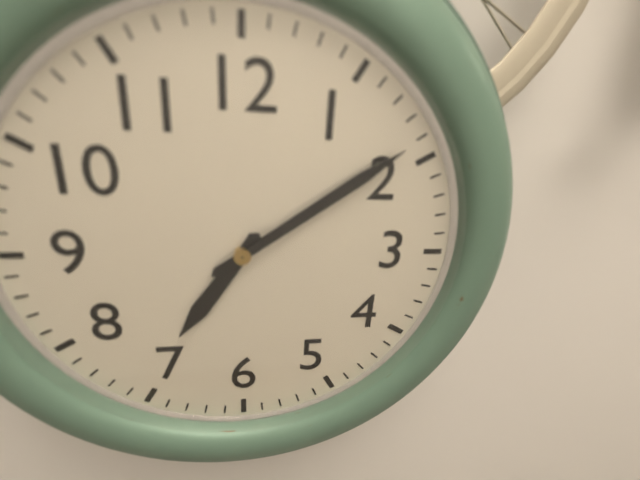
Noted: **7:09**
